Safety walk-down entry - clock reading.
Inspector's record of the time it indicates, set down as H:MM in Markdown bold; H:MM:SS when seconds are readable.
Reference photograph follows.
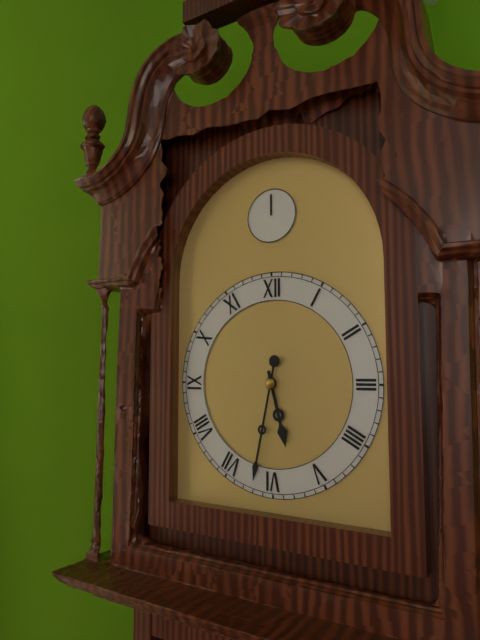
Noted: **5:32**
